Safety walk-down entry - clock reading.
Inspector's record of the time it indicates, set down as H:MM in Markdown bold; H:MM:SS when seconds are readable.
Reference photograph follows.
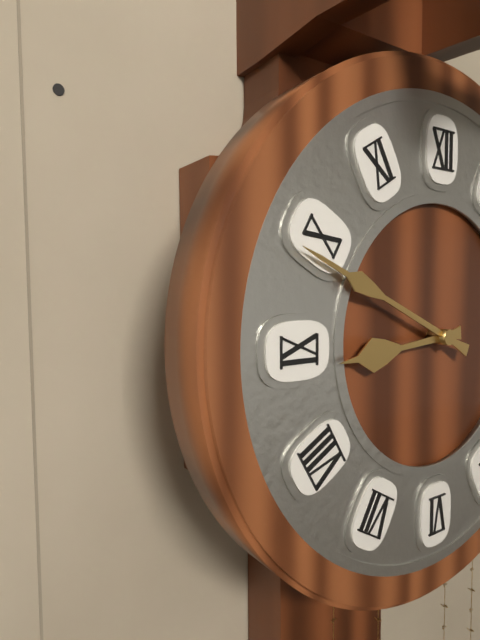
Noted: **8:49**
